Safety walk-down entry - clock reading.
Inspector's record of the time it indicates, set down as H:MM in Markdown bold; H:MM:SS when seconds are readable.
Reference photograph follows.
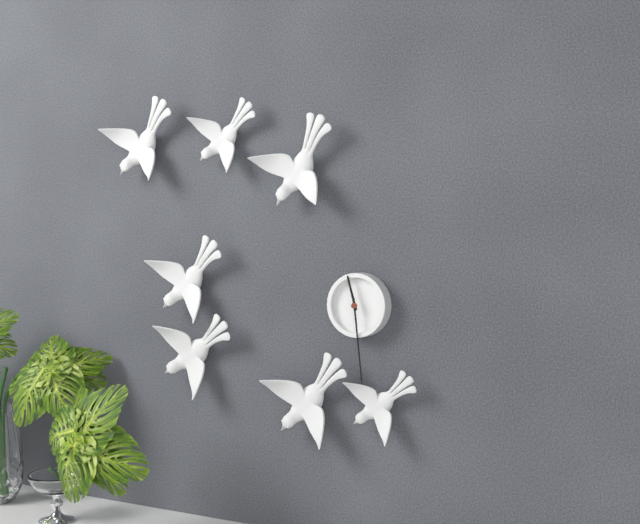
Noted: **11:29**
